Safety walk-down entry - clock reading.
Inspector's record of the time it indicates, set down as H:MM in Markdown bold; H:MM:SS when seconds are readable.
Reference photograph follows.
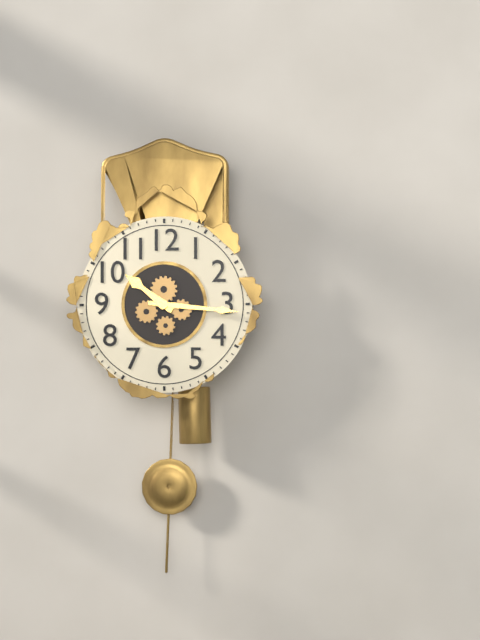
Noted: **10:16**
